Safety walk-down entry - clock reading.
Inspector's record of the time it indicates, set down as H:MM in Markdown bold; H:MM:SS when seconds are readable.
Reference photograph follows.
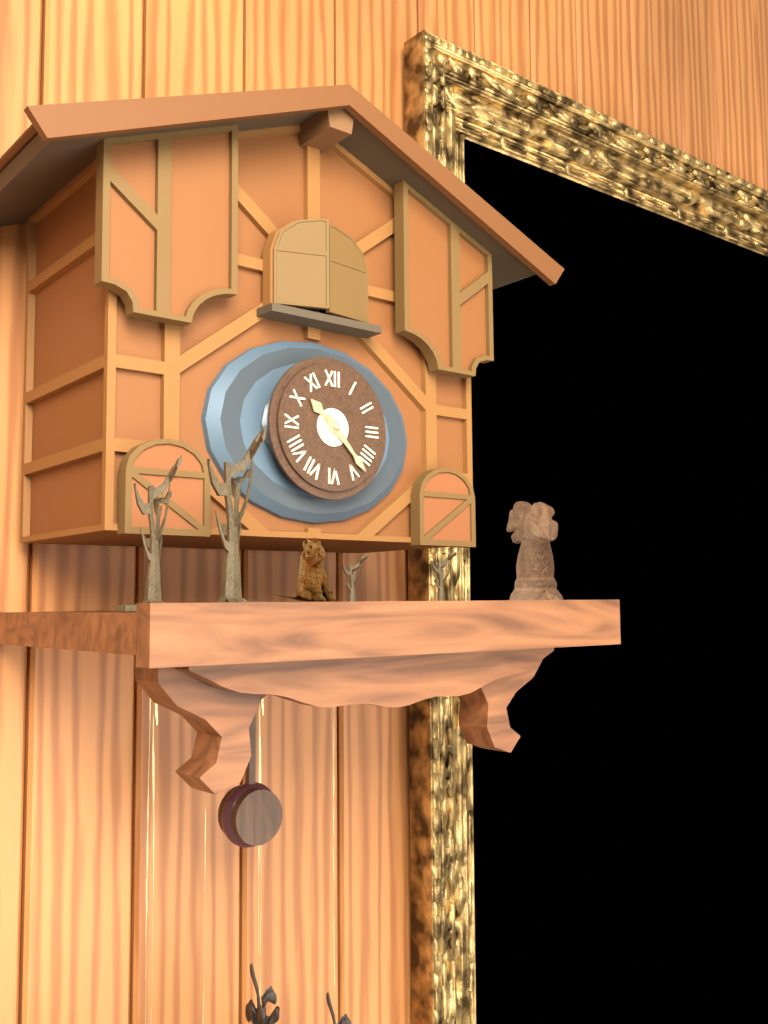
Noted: **10:23**
